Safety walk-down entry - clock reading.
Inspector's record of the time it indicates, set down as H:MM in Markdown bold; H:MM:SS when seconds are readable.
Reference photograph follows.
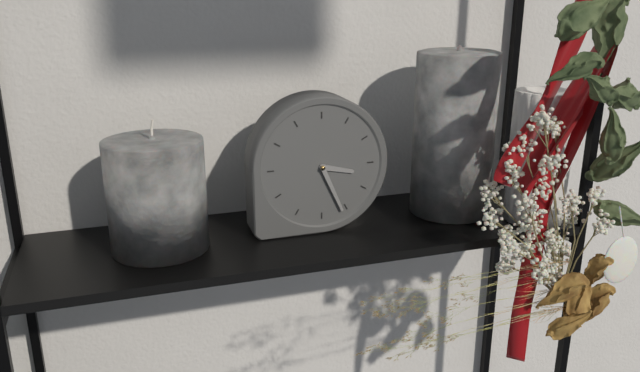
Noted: **3:26**
